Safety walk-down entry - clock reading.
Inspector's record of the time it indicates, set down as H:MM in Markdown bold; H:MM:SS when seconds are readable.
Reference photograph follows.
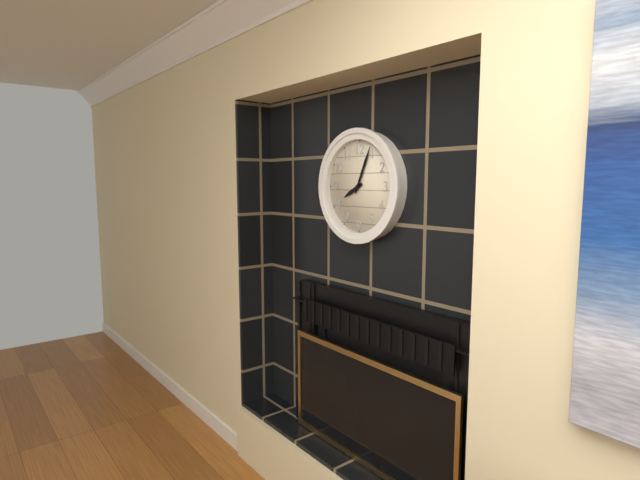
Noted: **8:04**
